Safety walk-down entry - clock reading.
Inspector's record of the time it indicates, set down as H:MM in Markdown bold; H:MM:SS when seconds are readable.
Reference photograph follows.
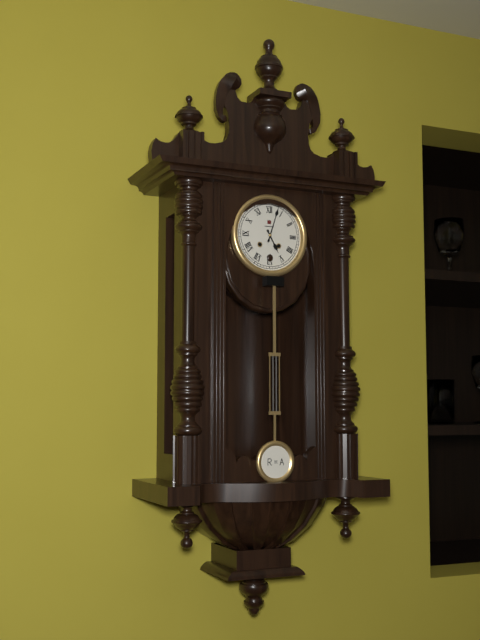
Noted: **5:03**
